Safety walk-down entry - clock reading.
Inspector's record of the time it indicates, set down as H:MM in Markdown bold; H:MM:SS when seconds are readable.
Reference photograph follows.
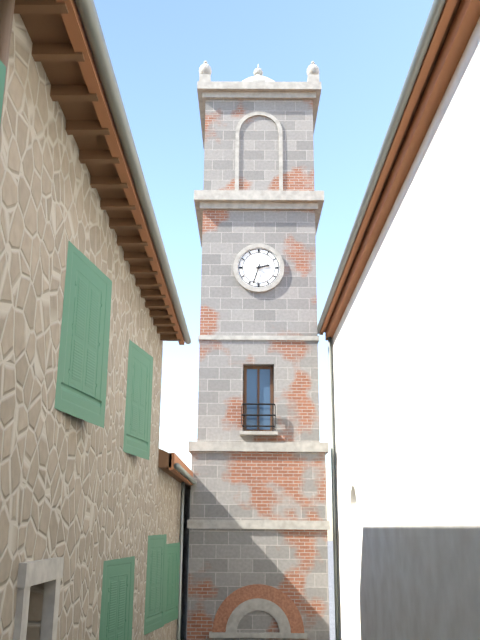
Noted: **2:33**
